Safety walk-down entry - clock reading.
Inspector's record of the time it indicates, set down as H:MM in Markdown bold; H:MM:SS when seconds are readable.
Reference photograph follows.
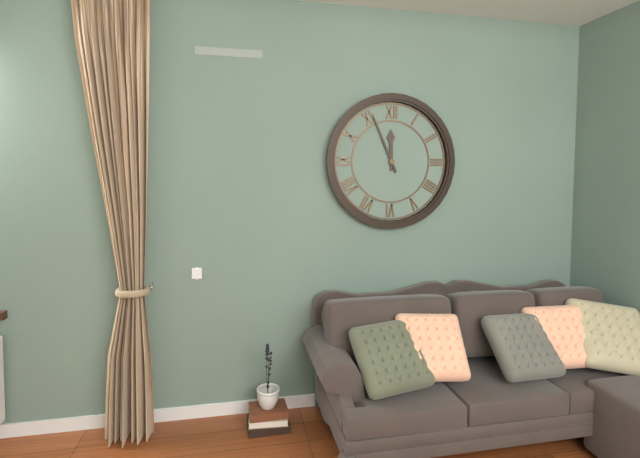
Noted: **11:56**
